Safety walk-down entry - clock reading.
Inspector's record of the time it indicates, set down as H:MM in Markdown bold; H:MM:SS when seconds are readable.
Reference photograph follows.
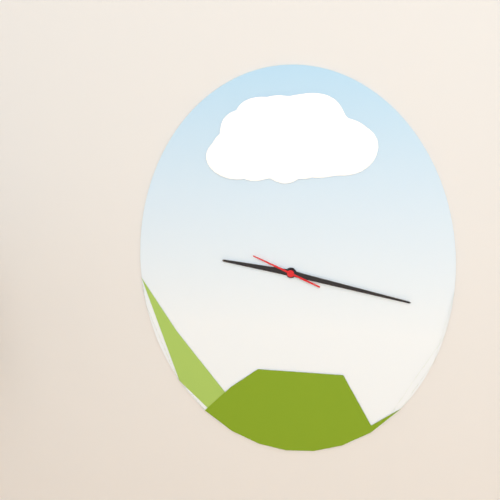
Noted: **9:17:49**
